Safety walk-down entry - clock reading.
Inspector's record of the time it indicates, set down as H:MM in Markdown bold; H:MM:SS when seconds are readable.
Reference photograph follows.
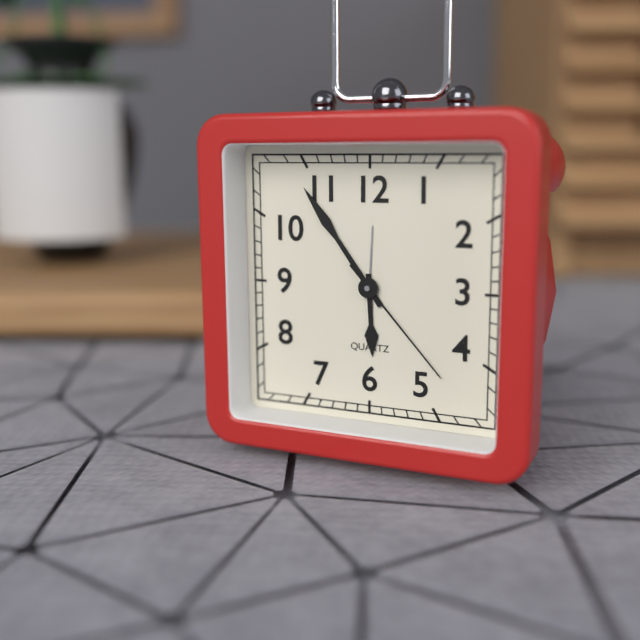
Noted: **5:54:23**
